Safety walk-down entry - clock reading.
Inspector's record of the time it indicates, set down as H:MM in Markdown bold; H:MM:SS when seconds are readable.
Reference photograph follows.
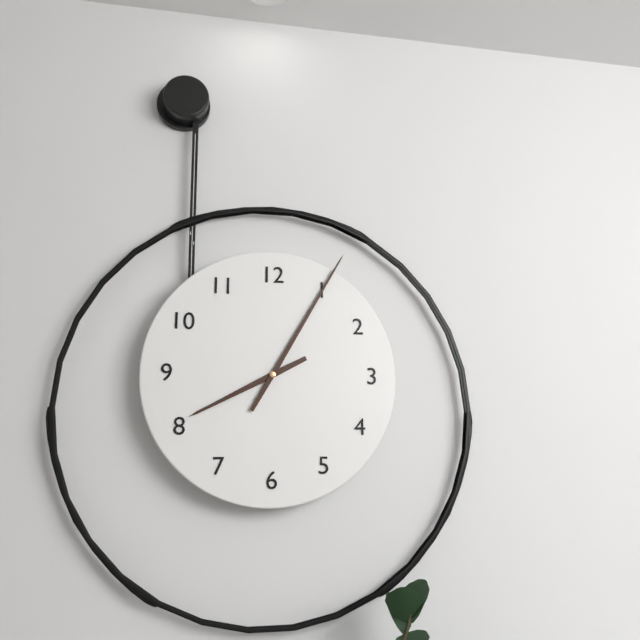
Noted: **8:05**
